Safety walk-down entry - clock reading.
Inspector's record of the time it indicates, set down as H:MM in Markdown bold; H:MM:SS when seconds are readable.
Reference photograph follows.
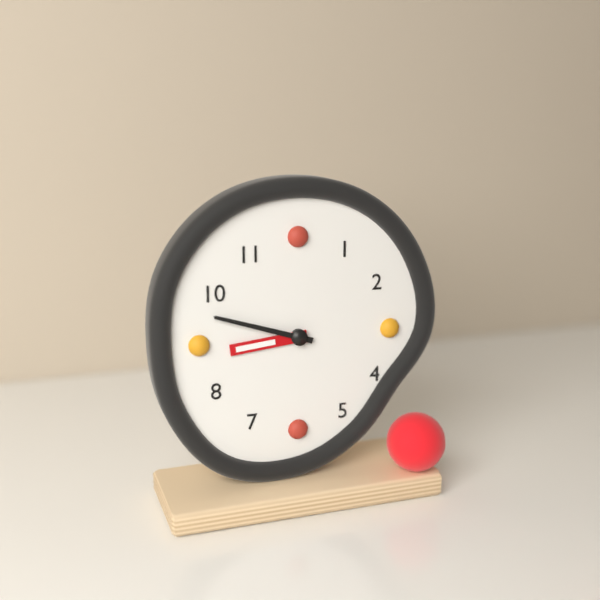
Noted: **8:48**
